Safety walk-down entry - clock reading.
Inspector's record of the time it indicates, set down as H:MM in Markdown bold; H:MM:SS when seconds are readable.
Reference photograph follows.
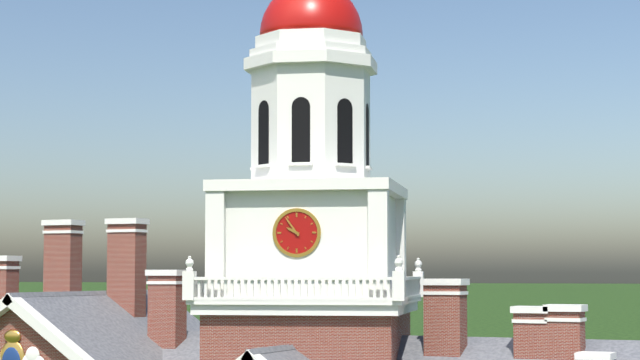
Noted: **9:54**
